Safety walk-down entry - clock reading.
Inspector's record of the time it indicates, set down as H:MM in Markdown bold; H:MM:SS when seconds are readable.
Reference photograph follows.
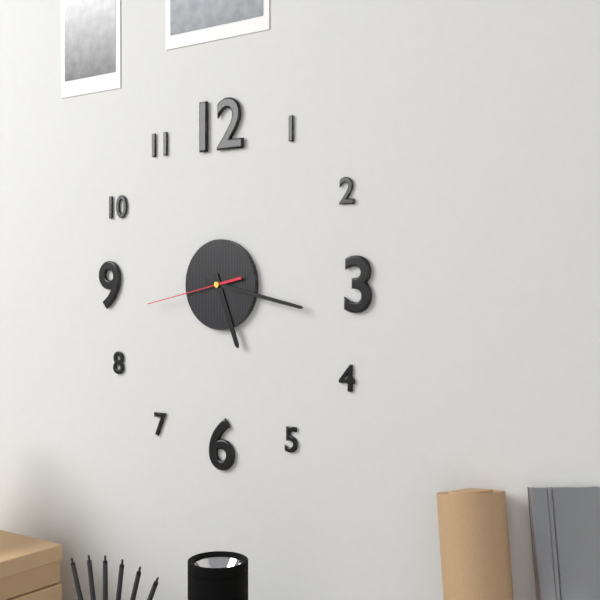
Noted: **5:17:43**
